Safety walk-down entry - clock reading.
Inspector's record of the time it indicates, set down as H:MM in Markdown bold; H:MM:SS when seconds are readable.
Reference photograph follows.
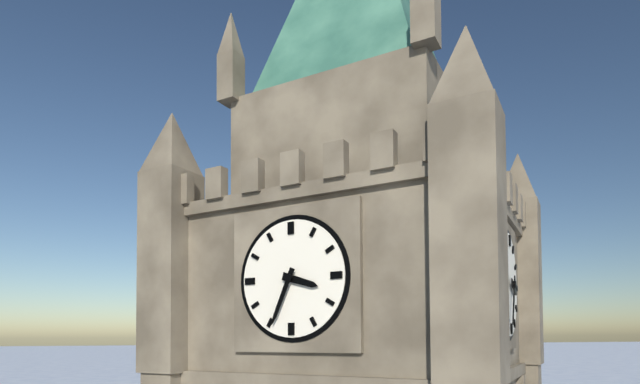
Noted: **3:34**
